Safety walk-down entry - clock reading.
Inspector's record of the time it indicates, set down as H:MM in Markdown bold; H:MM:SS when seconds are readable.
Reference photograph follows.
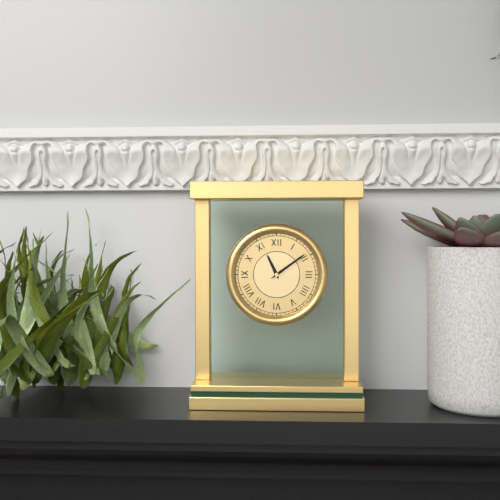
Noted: **11:09**
